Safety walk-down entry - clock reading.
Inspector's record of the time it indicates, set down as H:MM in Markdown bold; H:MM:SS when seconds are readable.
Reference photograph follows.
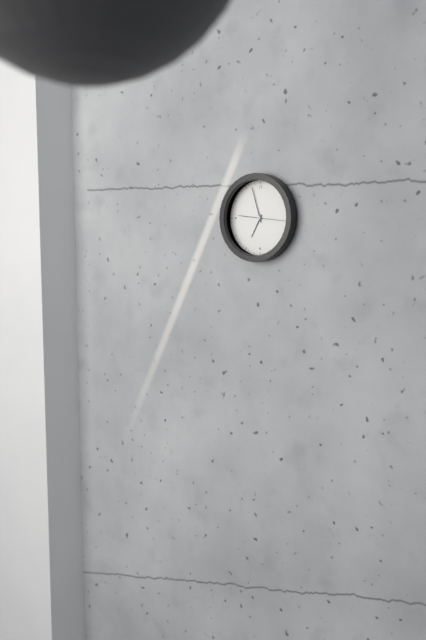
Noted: **6:57**
